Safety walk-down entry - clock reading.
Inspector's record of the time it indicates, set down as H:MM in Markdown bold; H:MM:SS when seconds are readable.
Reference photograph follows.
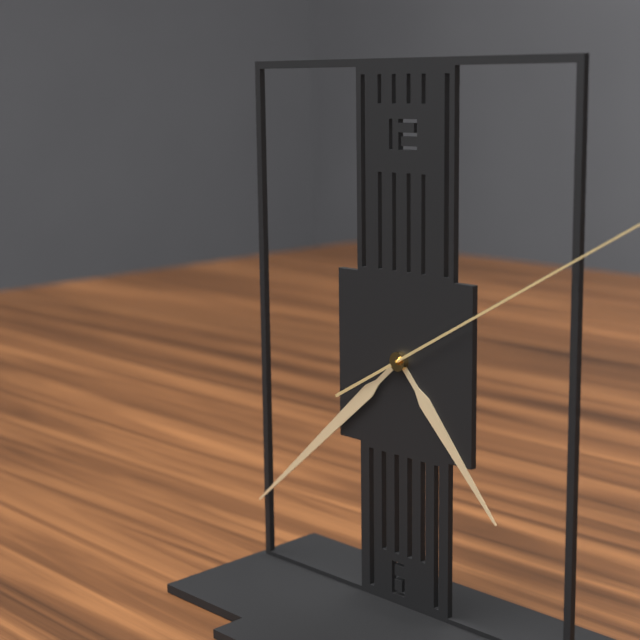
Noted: **4:38**
